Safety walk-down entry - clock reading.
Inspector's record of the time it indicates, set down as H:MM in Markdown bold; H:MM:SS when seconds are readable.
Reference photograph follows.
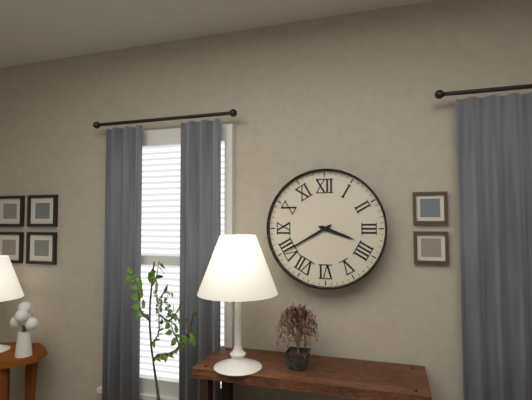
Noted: **3:40**
